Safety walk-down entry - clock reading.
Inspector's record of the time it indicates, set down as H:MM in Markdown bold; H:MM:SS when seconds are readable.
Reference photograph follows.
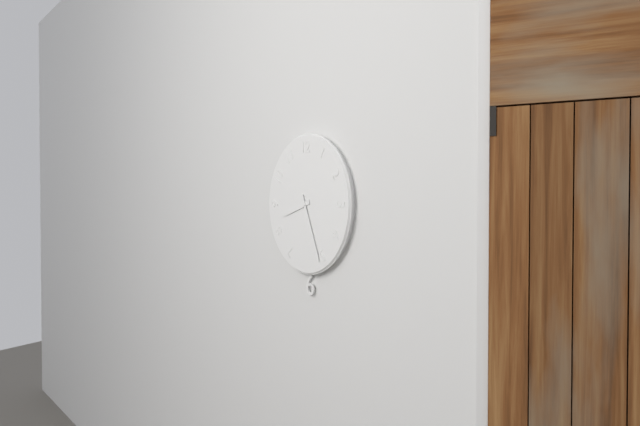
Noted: **8:26**
